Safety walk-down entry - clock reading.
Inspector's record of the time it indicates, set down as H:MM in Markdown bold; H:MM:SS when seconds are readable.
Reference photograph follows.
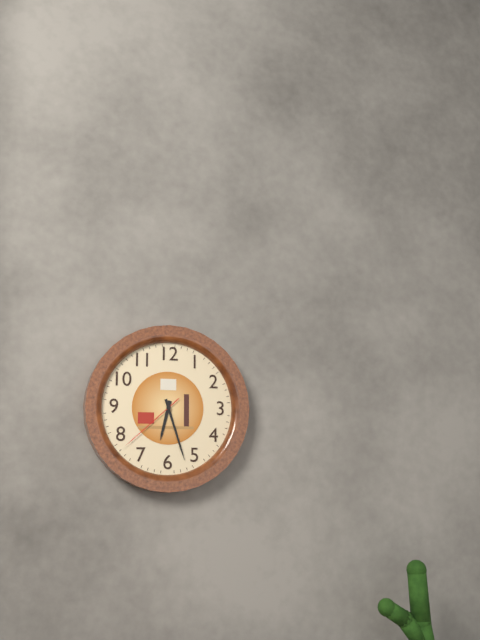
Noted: **6:27:38**
